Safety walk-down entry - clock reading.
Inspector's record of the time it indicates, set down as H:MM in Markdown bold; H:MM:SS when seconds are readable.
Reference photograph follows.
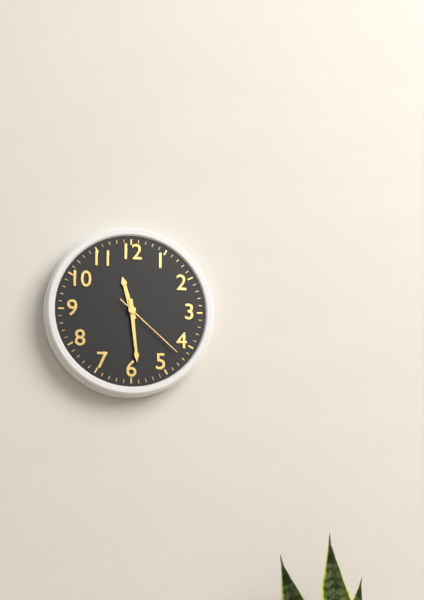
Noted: **11:29:22**
